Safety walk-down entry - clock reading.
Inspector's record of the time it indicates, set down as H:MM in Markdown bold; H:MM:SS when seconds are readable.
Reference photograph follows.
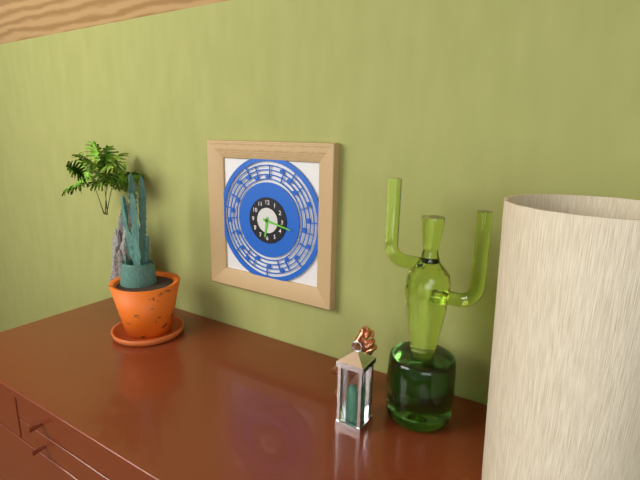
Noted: **6:17**
